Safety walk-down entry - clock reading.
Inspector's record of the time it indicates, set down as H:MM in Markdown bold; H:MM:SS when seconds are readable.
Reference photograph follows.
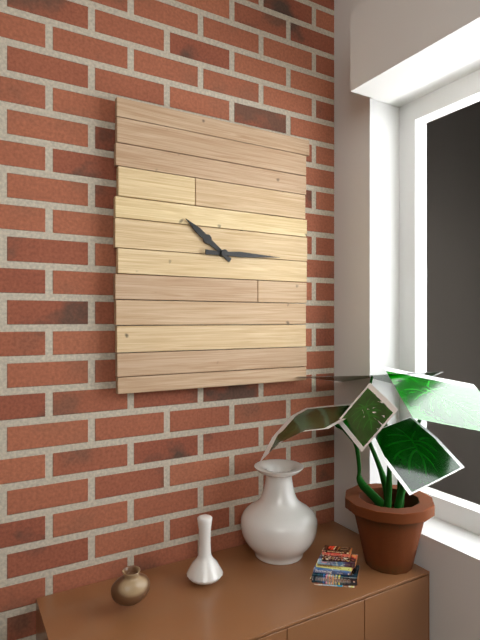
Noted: **10:15**
